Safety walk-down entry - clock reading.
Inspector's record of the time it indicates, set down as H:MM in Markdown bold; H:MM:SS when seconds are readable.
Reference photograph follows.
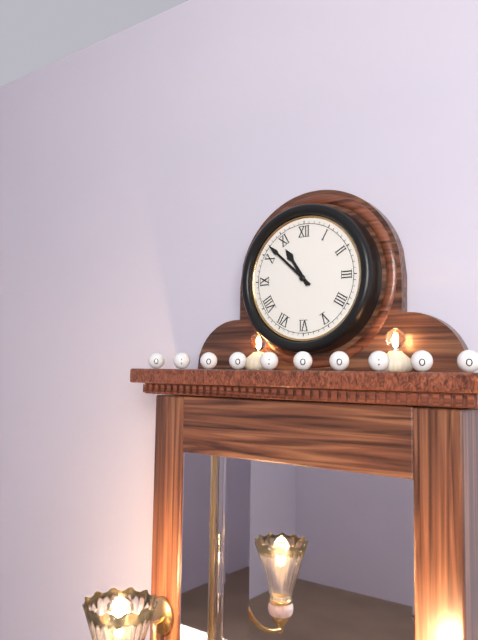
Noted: **10:52**
